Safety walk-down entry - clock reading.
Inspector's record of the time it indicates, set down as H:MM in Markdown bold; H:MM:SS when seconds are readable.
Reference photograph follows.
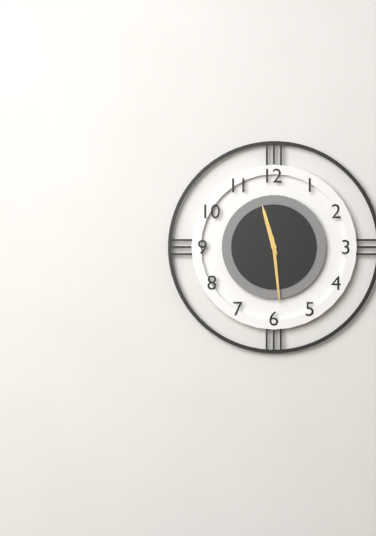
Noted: **11:29**
